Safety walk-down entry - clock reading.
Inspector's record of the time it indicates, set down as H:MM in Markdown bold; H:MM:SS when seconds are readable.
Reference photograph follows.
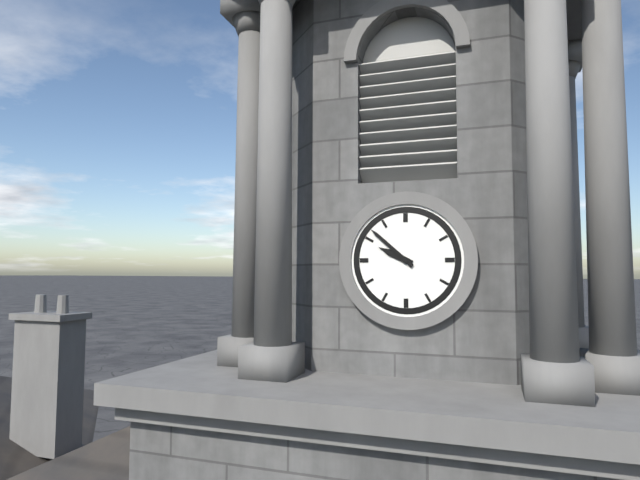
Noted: **9:52**
